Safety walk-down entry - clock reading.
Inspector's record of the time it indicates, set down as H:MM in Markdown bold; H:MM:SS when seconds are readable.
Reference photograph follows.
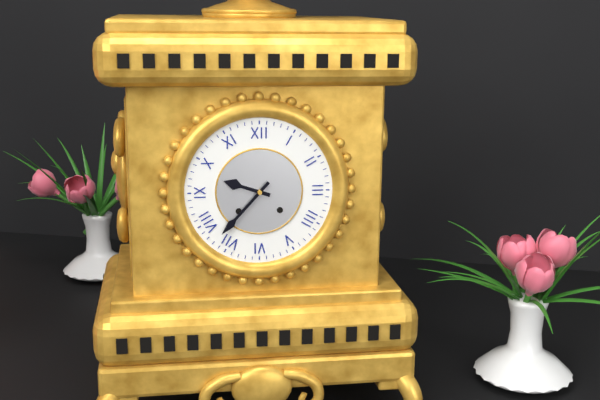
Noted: **9:37**
